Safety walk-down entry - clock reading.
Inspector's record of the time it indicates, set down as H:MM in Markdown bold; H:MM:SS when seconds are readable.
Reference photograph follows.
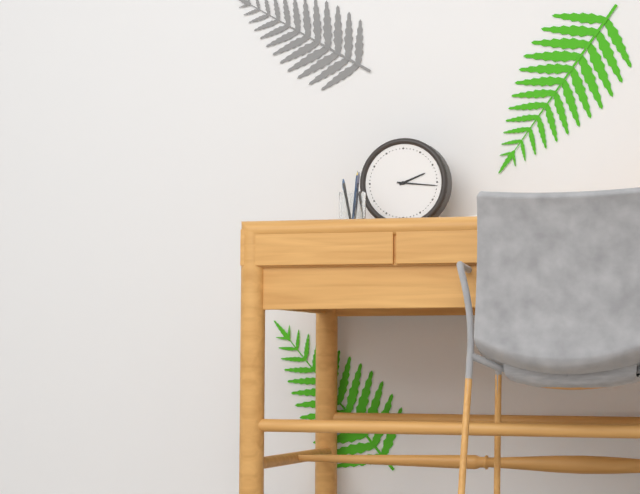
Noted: **2:16**
